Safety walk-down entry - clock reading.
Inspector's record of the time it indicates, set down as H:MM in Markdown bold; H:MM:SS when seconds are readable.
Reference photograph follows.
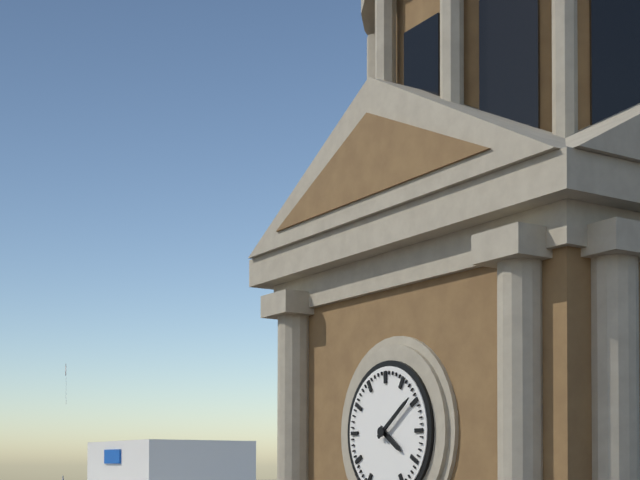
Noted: **4:09**
